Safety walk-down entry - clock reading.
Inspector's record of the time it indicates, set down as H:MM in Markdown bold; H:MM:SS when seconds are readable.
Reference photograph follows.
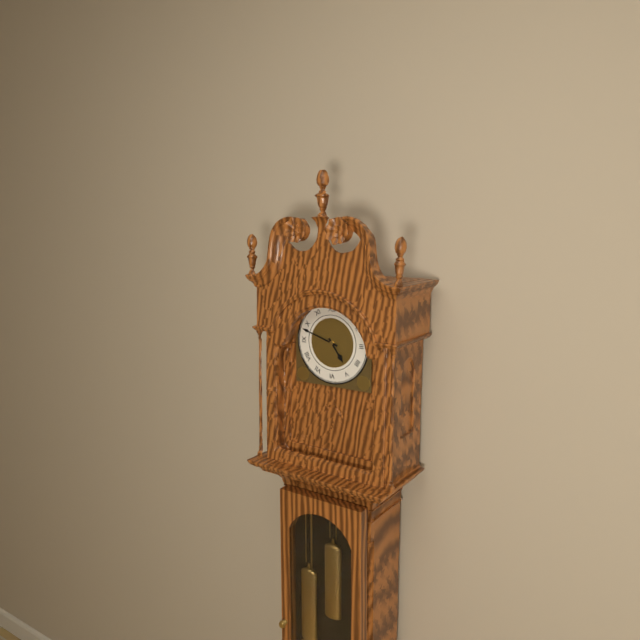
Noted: **4:48**
